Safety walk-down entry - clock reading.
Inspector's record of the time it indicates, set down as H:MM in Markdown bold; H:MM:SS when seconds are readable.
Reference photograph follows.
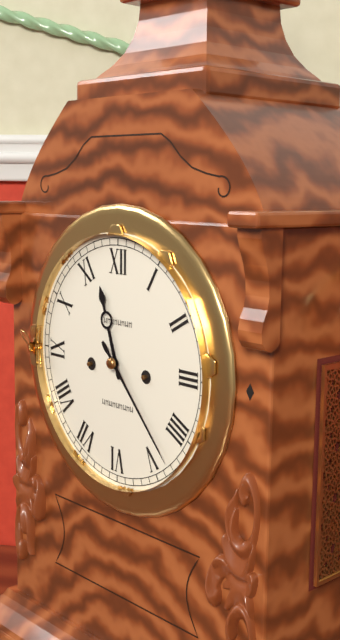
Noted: **11:23**
